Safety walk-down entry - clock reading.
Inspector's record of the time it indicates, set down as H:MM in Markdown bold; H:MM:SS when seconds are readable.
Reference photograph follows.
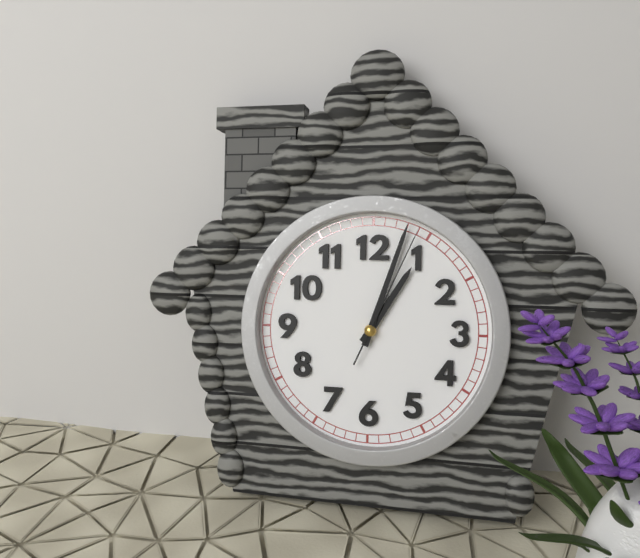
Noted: **1:03:04**
